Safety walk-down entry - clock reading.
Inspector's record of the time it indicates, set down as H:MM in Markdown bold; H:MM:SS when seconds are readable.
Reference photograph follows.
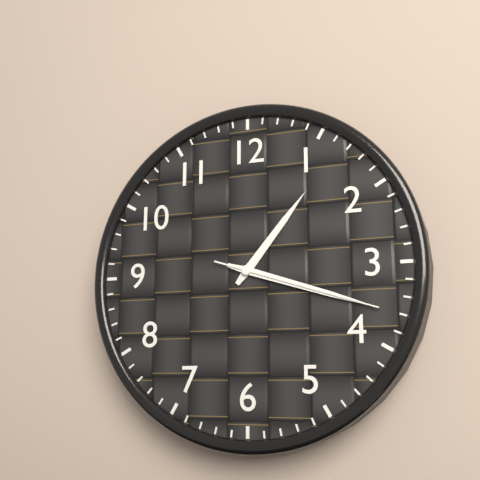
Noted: **1:18:18**
